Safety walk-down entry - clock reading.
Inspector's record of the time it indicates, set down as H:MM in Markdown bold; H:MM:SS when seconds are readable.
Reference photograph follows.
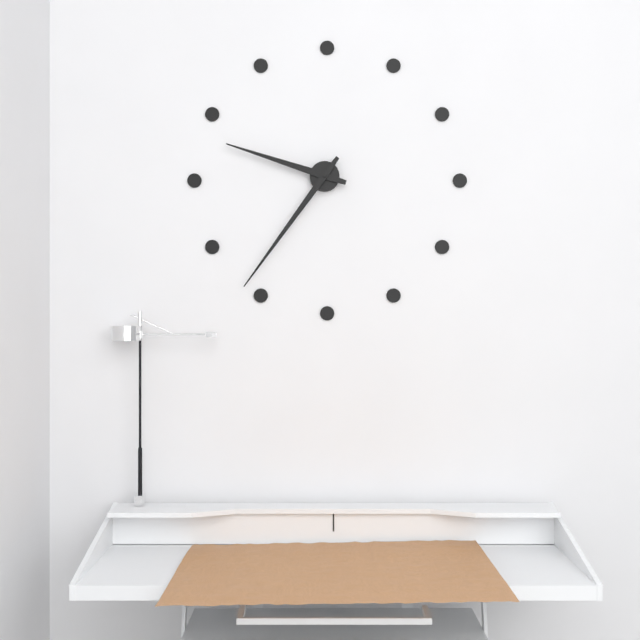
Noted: **9:36**
